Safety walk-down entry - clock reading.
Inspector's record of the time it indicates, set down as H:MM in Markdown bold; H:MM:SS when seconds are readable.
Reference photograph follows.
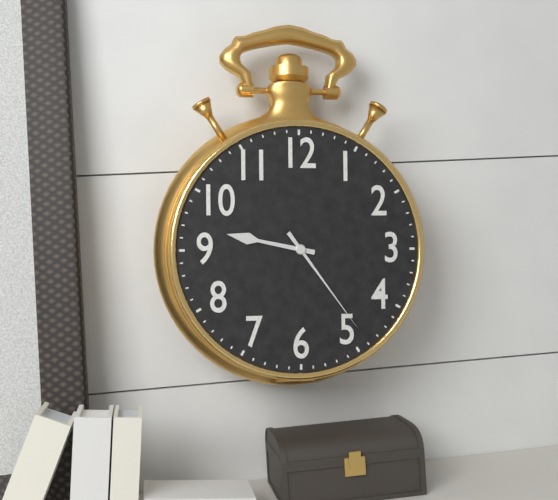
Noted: **9:24**
